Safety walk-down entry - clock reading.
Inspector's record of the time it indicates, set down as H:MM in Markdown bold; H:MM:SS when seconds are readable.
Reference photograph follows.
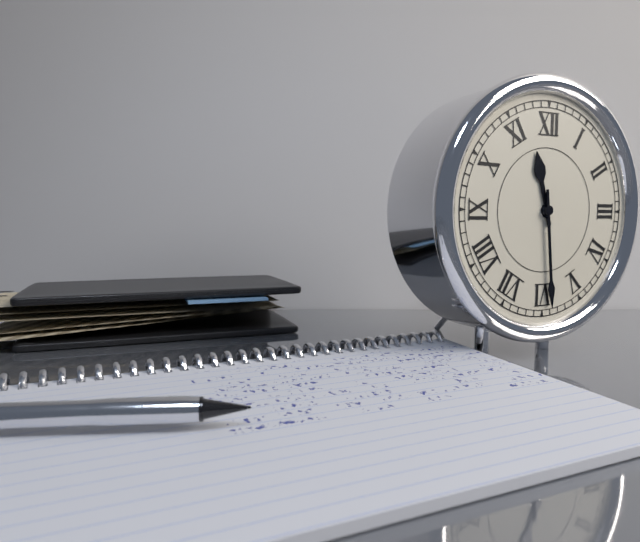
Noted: **11:29**
